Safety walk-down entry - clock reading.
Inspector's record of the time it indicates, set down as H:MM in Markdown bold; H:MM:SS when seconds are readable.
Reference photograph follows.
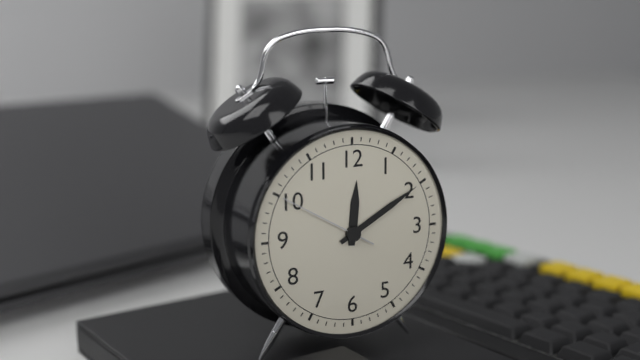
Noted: **12:10:50**
